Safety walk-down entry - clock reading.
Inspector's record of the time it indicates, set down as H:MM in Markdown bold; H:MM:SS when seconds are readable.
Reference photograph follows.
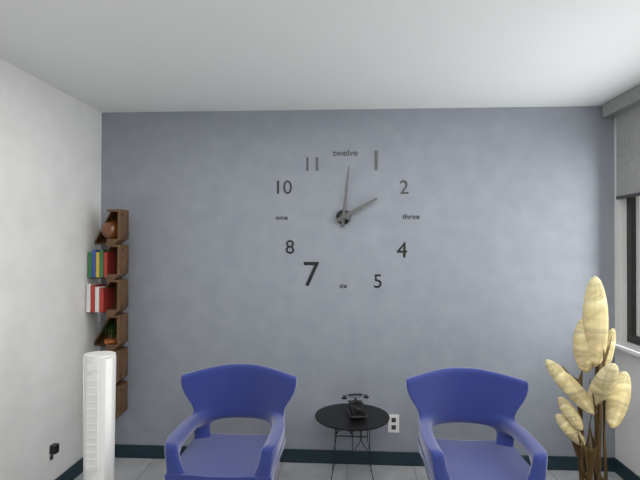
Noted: **2:01**
